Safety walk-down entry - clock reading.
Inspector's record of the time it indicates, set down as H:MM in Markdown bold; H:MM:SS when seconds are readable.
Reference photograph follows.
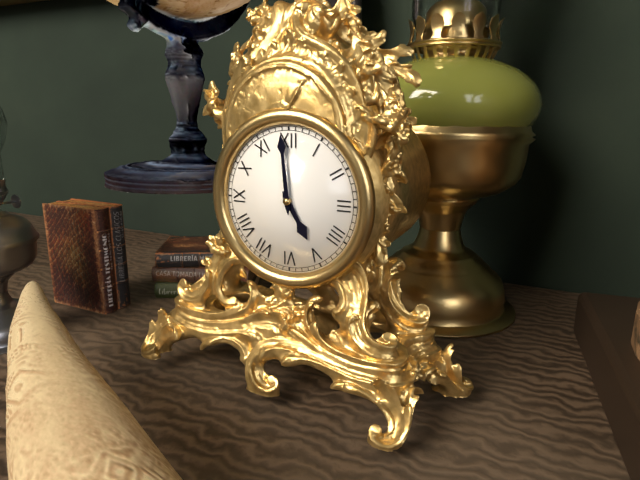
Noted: **4:59**
